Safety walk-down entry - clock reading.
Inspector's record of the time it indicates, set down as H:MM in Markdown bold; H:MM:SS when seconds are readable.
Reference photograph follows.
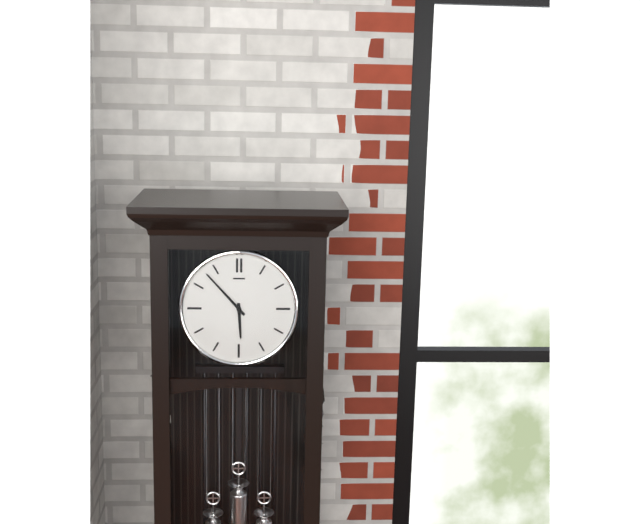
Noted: **5:53**
